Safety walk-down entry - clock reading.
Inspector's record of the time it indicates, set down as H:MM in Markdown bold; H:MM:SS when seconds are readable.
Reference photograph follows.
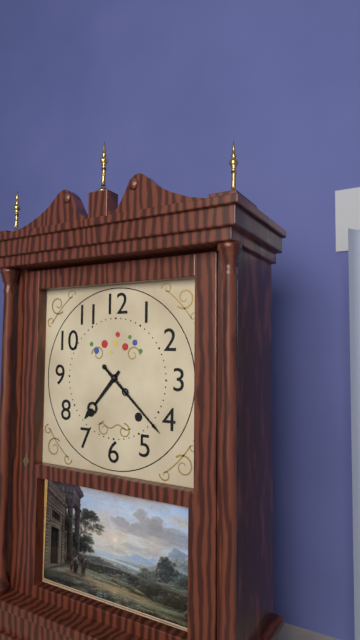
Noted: **7:22**
